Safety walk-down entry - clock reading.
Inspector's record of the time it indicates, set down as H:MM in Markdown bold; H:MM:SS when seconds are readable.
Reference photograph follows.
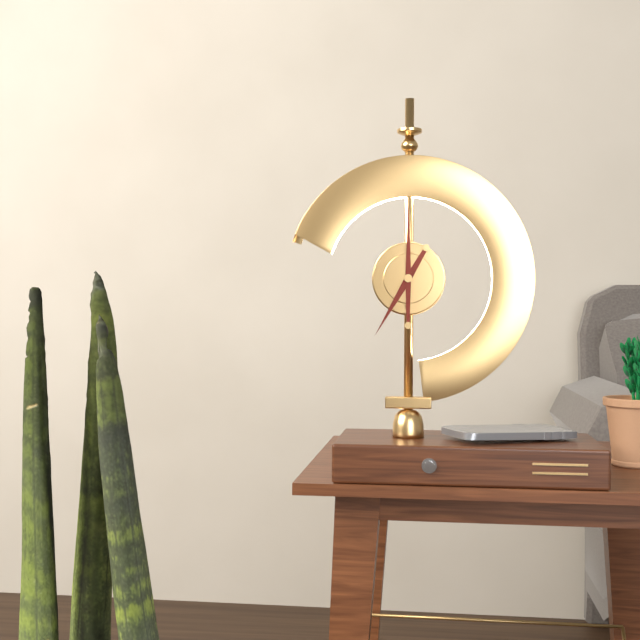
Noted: **7:00**
